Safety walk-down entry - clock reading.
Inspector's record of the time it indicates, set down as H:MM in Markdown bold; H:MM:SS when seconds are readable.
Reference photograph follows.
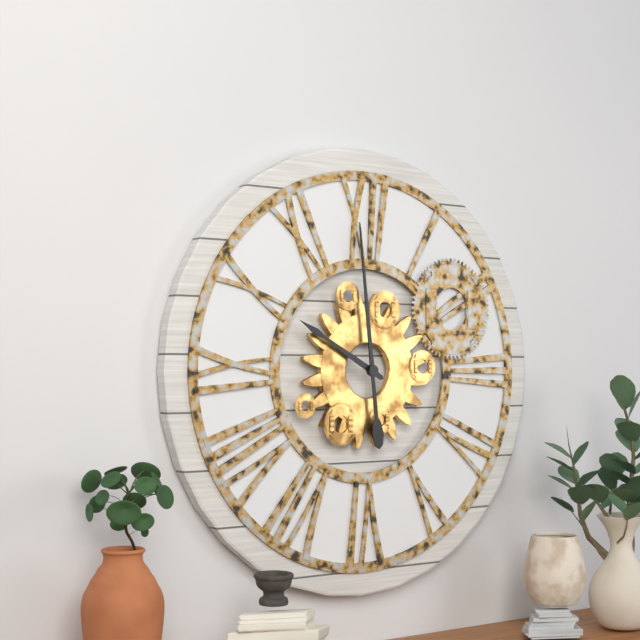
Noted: **9:59**
